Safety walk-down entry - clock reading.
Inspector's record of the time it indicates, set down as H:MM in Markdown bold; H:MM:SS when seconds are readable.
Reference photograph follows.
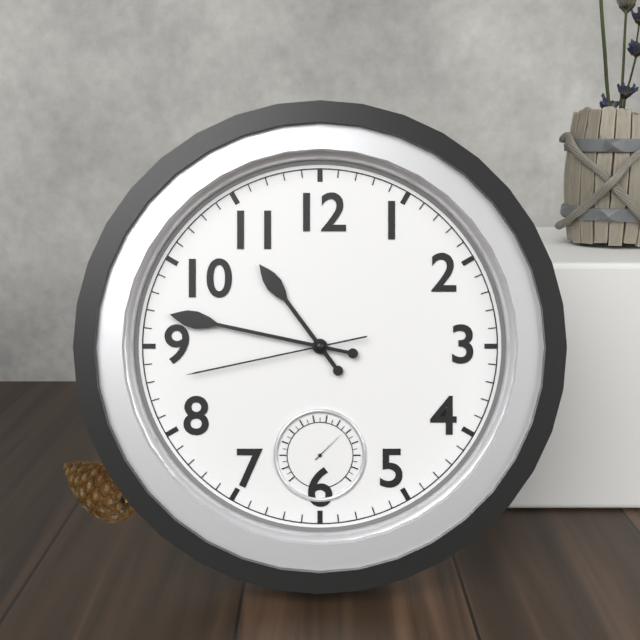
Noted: **10:47:43**
